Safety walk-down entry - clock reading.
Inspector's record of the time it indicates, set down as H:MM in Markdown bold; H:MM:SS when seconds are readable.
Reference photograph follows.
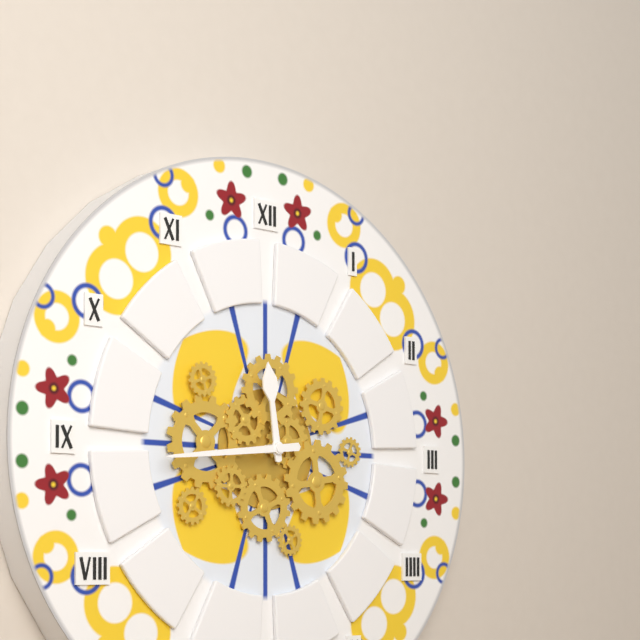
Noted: **11:44**
